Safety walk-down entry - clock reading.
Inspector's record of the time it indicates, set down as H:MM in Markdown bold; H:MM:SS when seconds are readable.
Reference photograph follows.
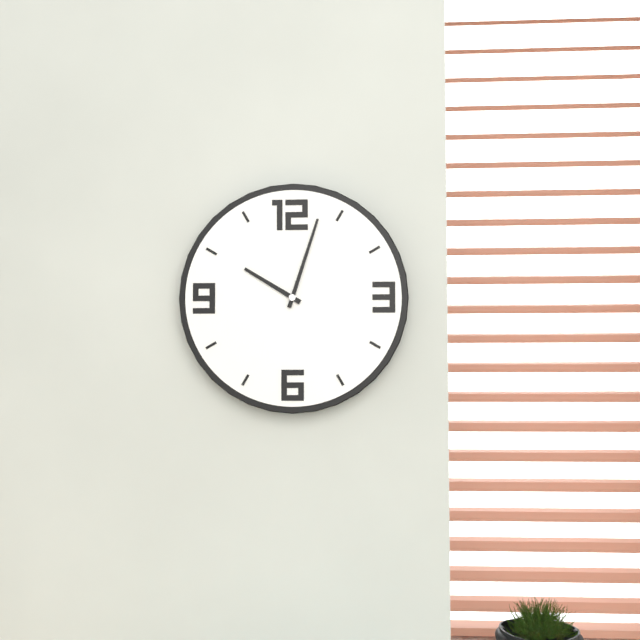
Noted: **10:03**
